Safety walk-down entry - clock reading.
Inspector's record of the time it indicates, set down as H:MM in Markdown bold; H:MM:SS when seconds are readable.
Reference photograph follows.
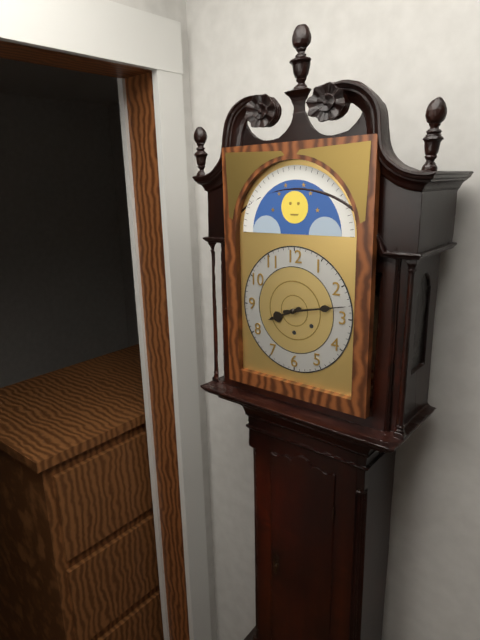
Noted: **8:13**
